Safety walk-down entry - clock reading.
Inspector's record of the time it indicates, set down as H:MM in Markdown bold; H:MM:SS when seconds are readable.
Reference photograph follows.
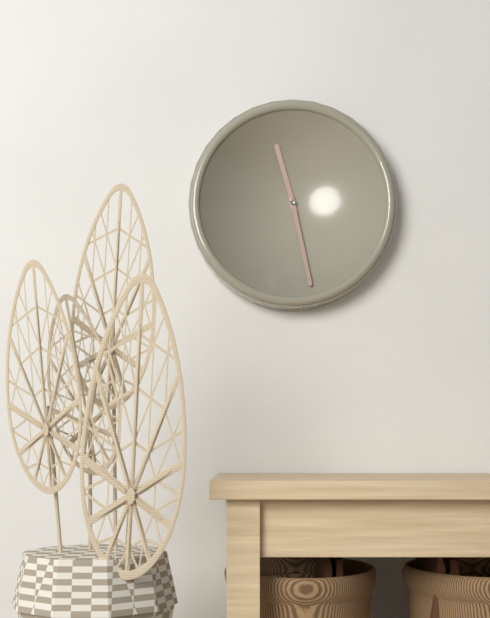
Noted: **11:28**
